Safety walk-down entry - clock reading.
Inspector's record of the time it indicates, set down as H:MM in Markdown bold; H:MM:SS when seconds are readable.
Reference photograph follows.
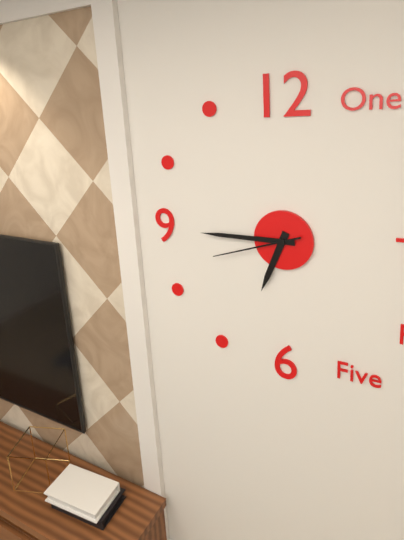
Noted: **6:45:42**
